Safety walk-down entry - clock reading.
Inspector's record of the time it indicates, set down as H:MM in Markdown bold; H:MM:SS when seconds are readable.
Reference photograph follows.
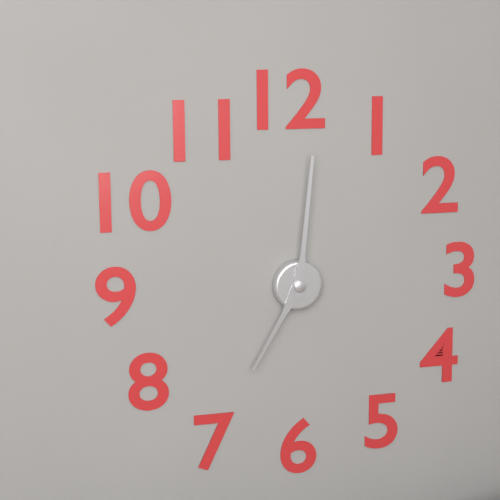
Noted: **7:01**
